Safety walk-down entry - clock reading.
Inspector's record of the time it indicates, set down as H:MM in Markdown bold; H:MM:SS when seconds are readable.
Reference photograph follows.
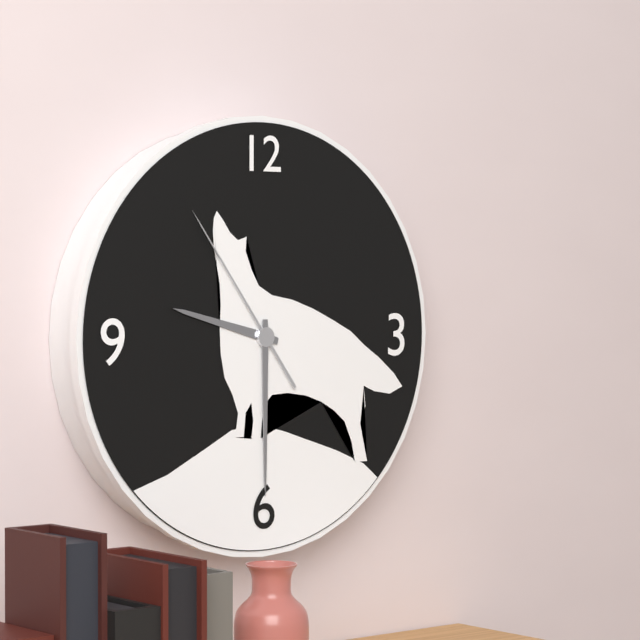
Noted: **9:30:54**
